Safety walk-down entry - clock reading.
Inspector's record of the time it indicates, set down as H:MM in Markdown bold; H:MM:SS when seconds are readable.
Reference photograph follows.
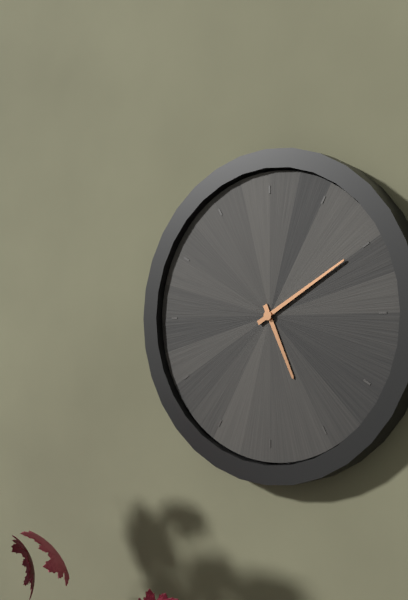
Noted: **5:10**
